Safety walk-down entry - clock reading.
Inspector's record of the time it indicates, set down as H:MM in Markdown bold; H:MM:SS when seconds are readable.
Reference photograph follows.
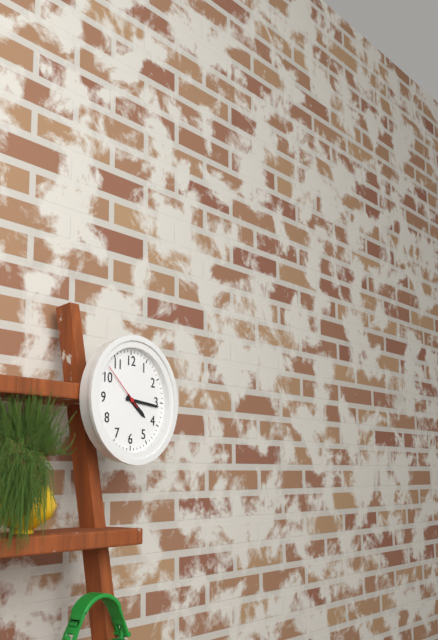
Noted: **4:16:52**
